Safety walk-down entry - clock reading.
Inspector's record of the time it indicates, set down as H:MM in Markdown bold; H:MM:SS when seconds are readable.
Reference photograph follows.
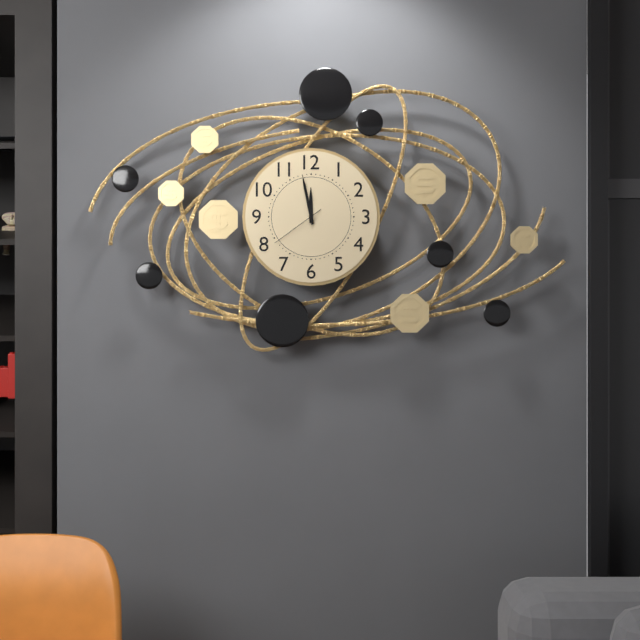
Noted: **11:58:39**
